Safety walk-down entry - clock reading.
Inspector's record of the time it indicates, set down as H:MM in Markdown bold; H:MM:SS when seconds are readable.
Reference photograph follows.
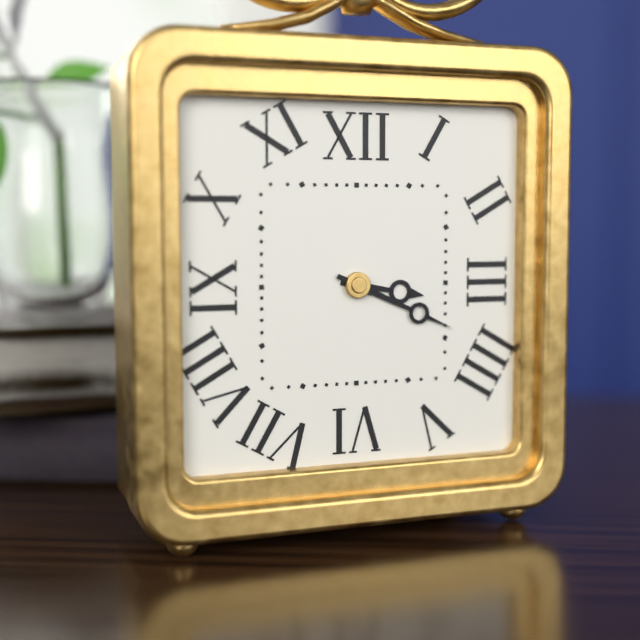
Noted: **3:19**
